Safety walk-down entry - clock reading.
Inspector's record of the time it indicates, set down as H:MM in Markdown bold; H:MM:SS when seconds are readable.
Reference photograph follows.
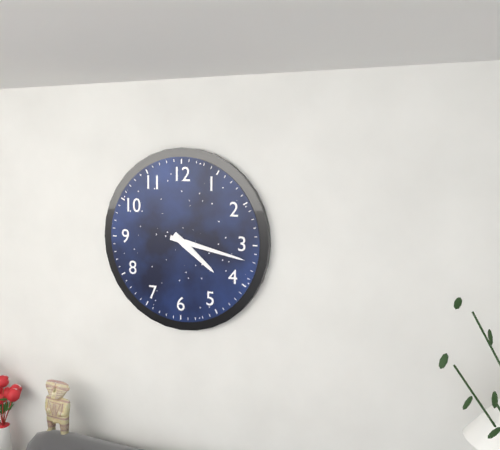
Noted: **4:17**
